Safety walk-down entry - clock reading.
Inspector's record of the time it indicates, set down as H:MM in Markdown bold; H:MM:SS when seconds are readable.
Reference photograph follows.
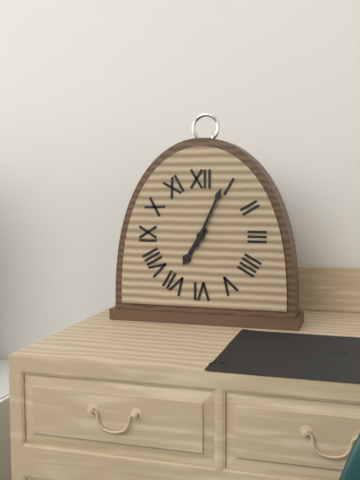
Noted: **7:04**
